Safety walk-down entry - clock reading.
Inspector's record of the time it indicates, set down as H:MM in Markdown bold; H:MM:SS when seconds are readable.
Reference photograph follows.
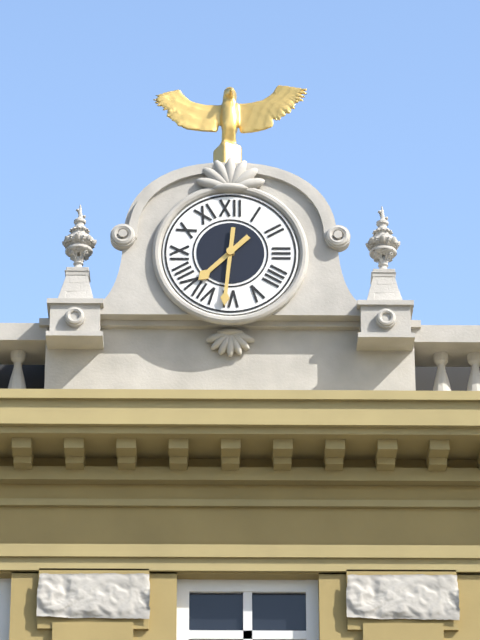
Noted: **7:31**
